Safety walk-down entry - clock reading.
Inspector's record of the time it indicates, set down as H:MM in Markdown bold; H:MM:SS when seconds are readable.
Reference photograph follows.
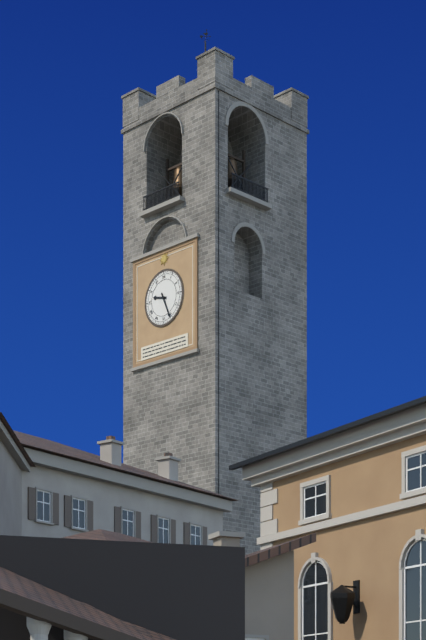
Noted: **9:26**
